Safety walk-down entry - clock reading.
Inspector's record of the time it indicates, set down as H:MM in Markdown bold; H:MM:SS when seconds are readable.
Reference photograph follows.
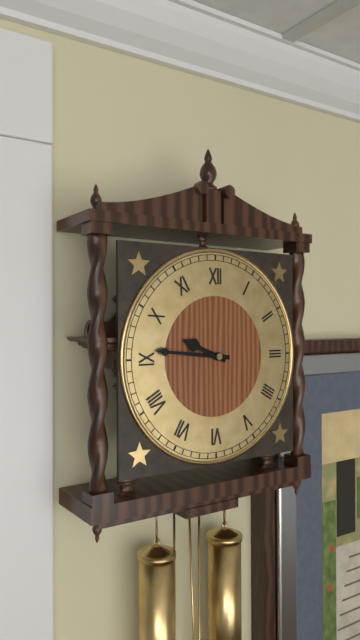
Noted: **9:46**
